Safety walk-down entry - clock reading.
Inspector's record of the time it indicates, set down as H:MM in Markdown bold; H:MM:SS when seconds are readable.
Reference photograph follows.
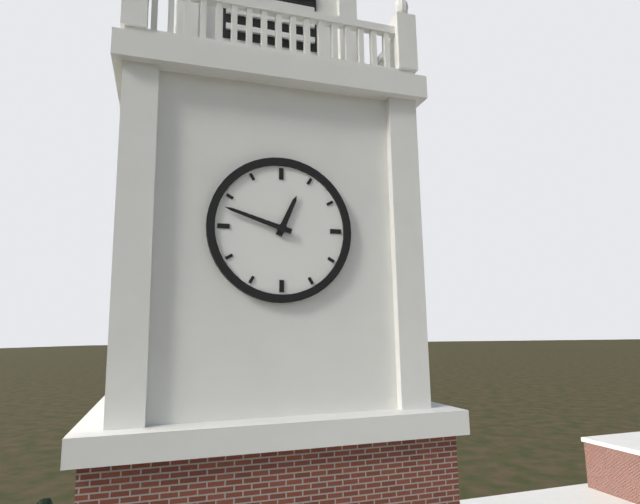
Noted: **12:48**
